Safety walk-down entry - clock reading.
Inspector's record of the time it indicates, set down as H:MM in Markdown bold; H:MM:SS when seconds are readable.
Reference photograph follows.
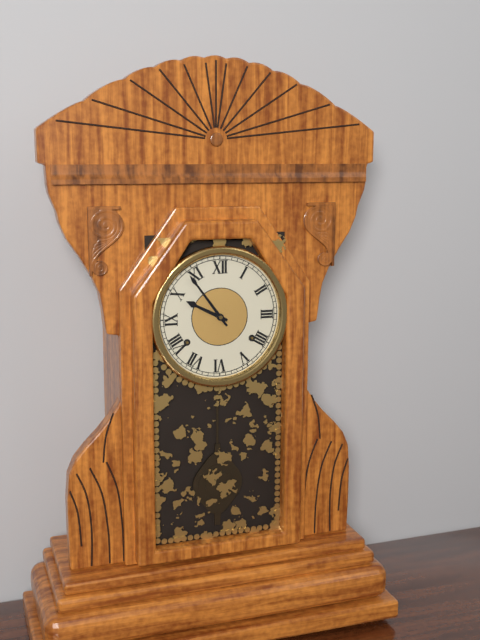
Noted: **9:54**
